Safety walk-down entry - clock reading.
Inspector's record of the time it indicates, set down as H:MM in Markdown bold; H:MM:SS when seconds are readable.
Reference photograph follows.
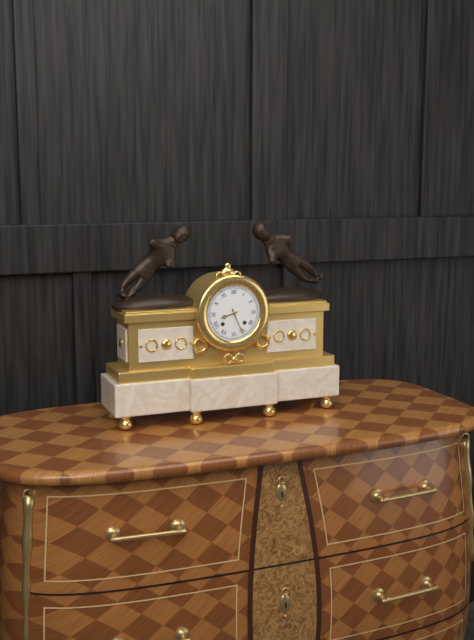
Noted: **8:26**
